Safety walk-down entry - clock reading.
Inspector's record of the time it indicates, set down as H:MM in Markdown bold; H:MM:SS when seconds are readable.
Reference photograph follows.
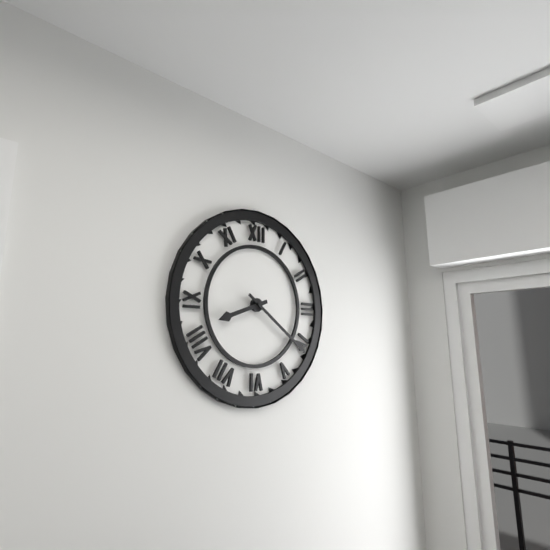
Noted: **8:21**
